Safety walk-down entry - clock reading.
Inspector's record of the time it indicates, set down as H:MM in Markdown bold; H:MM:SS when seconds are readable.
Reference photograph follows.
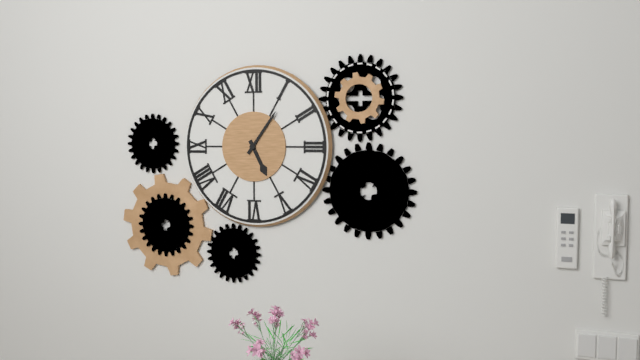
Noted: **5:06**
